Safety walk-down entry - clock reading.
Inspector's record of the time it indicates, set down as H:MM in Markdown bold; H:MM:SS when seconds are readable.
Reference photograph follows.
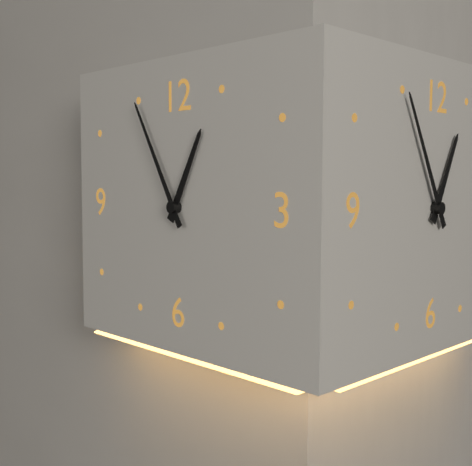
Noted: **12:55**
